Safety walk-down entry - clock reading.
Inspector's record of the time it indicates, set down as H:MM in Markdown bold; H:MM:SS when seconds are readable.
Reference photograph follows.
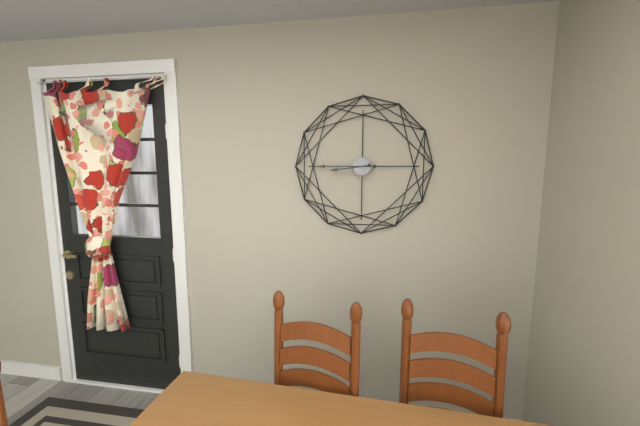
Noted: **8:45**
